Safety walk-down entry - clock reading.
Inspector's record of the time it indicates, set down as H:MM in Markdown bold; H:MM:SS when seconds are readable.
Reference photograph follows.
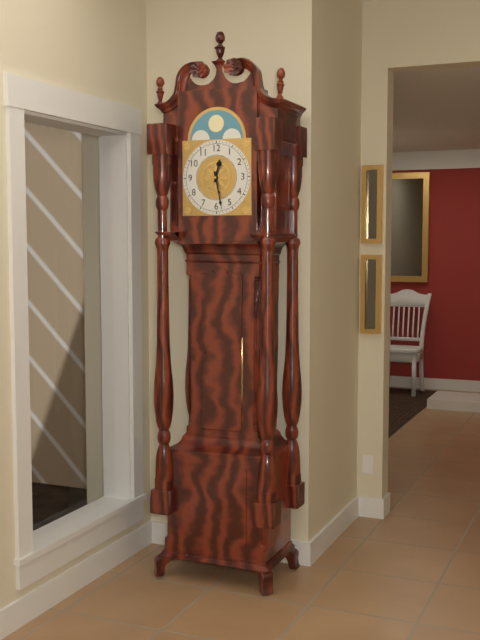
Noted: **12:28**
